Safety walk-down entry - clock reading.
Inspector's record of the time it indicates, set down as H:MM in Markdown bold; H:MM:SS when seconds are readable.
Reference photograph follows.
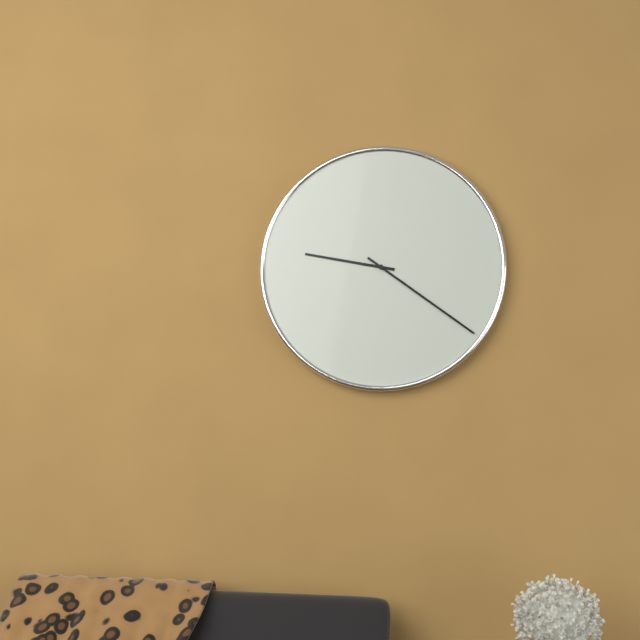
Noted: **9:21**
